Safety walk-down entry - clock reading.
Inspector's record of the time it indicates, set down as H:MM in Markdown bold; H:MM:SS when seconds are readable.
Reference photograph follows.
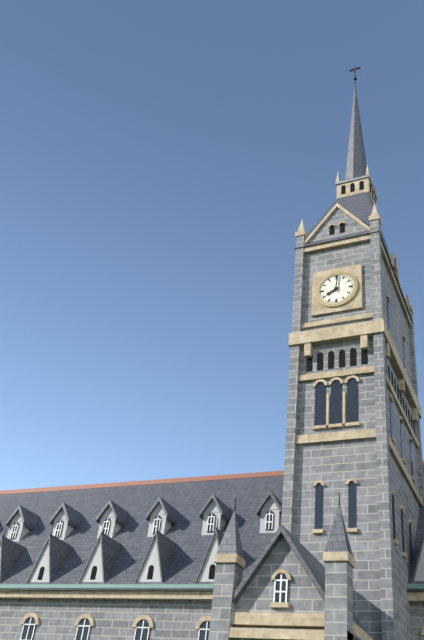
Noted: **8:01**
